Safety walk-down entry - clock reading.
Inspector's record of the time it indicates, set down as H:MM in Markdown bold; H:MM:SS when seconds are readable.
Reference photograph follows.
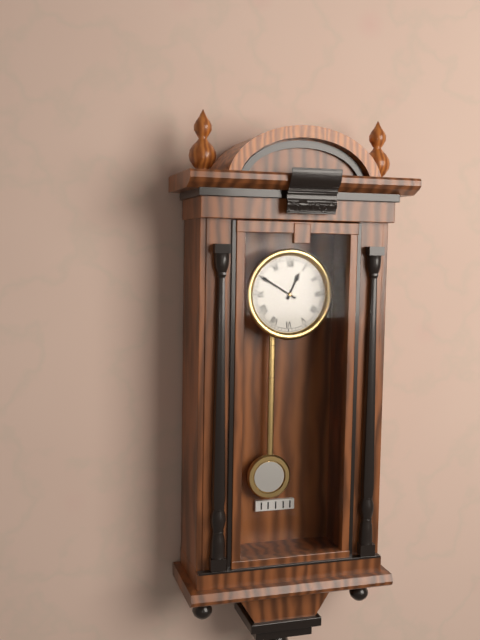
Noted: **12:50**
